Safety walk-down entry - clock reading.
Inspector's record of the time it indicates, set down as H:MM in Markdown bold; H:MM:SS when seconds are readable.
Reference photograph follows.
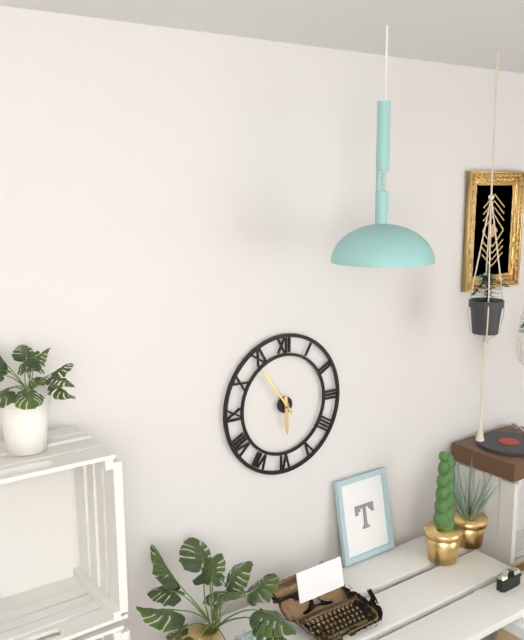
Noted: **5:54**
